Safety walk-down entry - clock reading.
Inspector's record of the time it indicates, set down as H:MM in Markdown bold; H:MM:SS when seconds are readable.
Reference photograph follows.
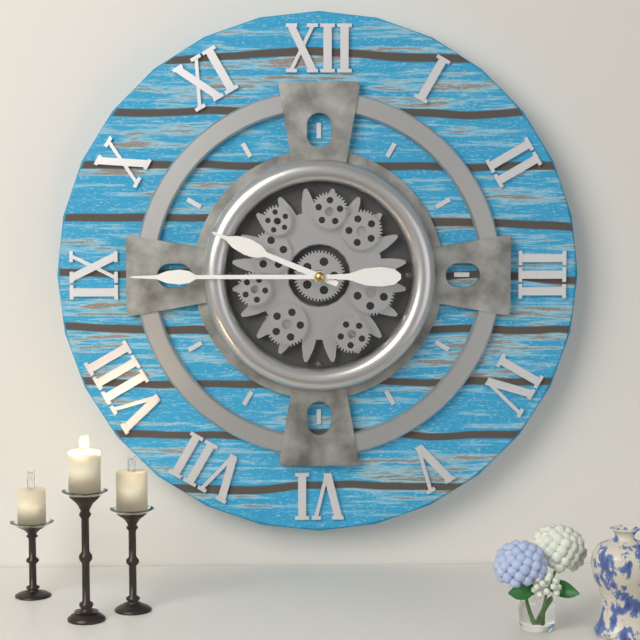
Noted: **9:45**
